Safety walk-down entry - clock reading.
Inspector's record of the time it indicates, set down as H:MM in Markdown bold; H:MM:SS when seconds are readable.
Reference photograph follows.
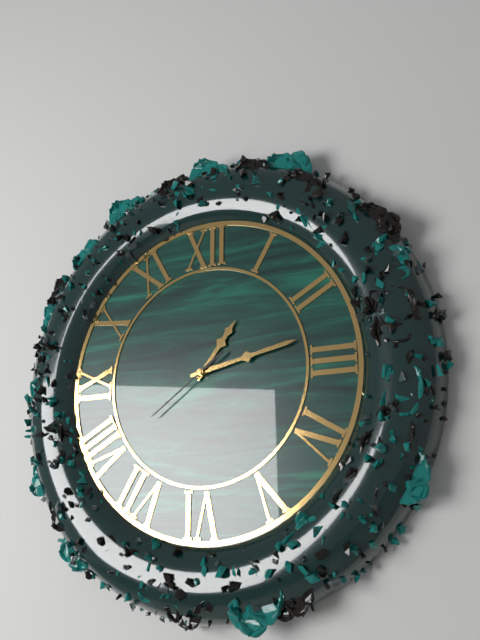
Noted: **1:13:39**
